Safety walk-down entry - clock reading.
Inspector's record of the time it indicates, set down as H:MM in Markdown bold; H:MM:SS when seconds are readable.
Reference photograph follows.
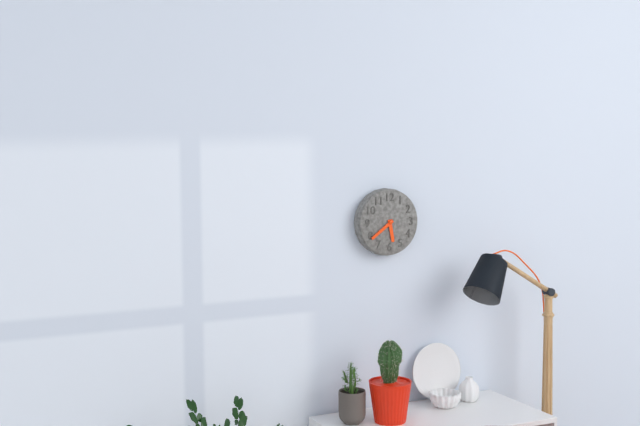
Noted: **5:39**
